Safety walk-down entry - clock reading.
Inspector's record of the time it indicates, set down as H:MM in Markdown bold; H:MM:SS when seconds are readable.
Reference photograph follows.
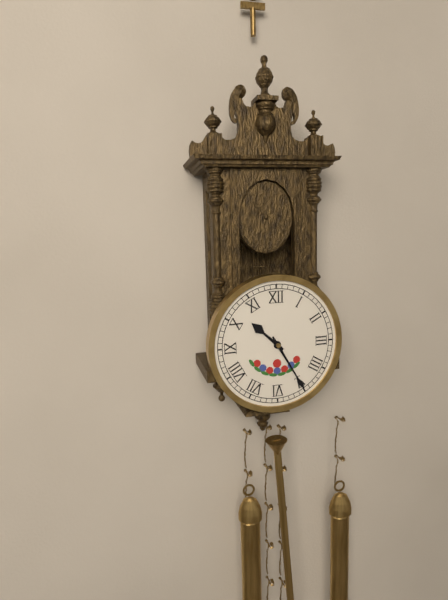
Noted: **10:25**
